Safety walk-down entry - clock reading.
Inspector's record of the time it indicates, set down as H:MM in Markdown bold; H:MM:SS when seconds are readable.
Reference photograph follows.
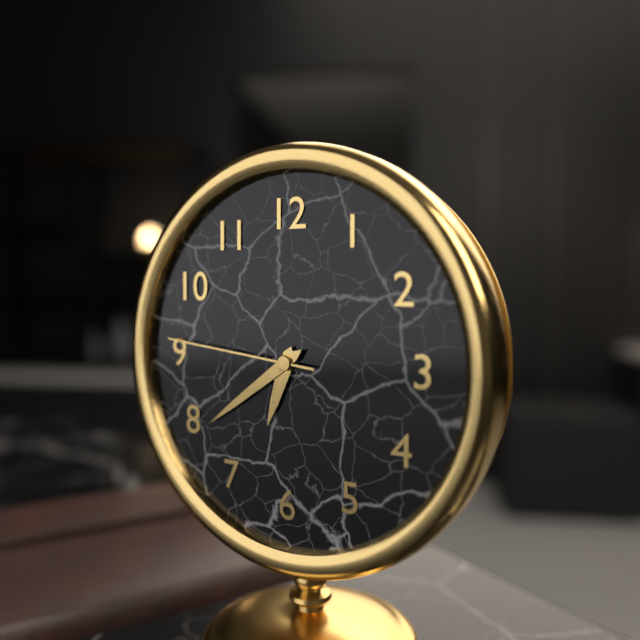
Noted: **6:39:46**
